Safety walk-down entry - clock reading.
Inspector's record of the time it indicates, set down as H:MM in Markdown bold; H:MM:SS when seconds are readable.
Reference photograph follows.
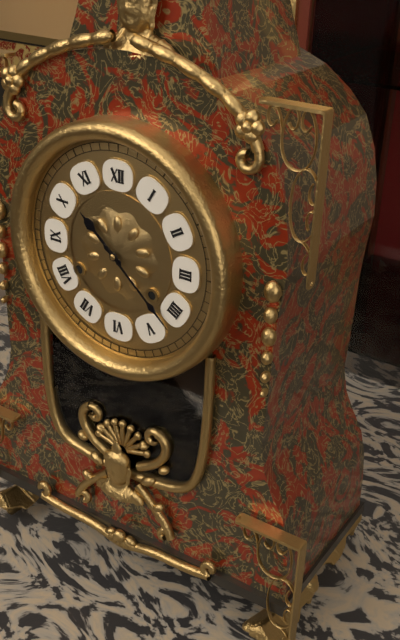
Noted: **10:22**
